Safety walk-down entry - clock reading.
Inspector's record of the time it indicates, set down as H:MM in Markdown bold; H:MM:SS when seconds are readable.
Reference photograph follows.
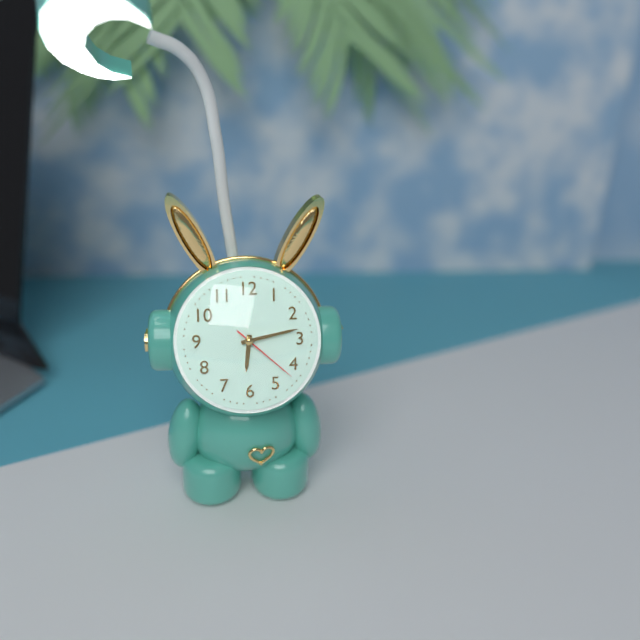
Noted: **6:13:22**
